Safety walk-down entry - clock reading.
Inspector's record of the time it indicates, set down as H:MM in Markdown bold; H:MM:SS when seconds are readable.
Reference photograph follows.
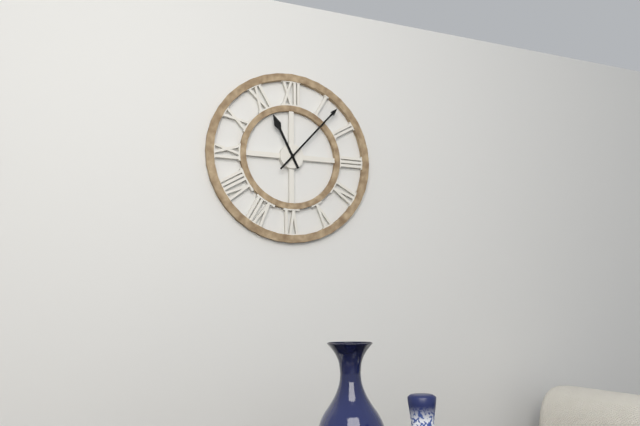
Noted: **11:07**
